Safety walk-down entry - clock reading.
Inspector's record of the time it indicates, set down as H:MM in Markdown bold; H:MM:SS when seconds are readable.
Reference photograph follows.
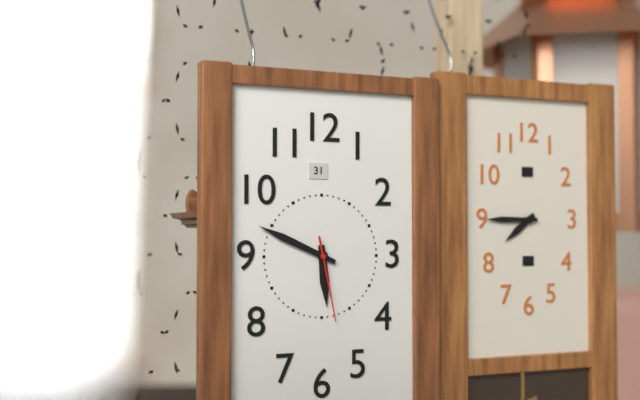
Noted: **5:49:28**
